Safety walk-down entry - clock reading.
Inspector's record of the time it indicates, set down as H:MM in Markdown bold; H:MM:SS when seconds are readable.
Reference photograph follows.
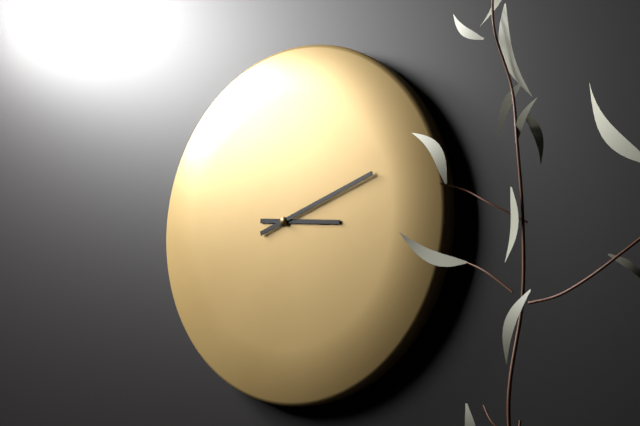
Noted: **3:12**
